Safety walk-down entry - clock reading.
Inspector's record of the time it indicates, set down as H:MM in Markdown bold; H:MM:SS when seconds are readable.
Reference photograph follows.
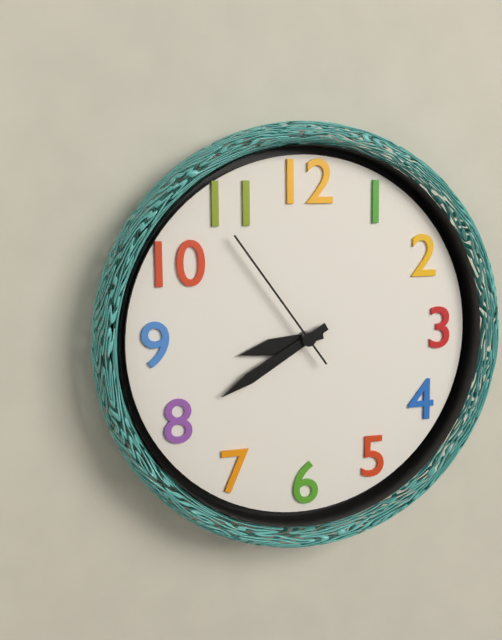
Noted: **8:40:54**
